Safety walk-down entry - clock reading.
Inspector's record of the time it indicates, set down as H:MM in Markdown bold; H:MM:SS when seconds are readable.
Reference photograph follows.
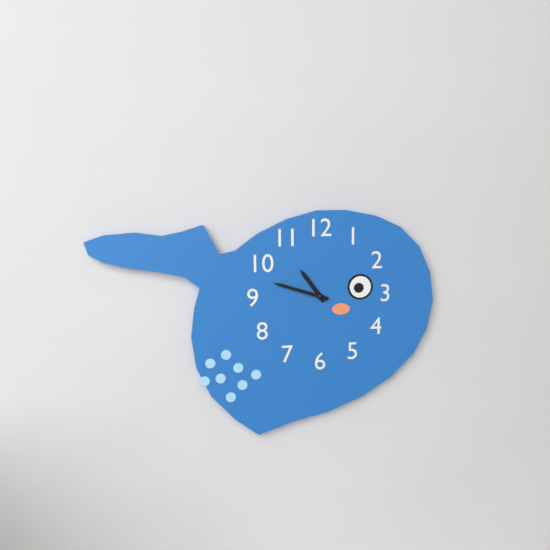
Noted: **10:48**
